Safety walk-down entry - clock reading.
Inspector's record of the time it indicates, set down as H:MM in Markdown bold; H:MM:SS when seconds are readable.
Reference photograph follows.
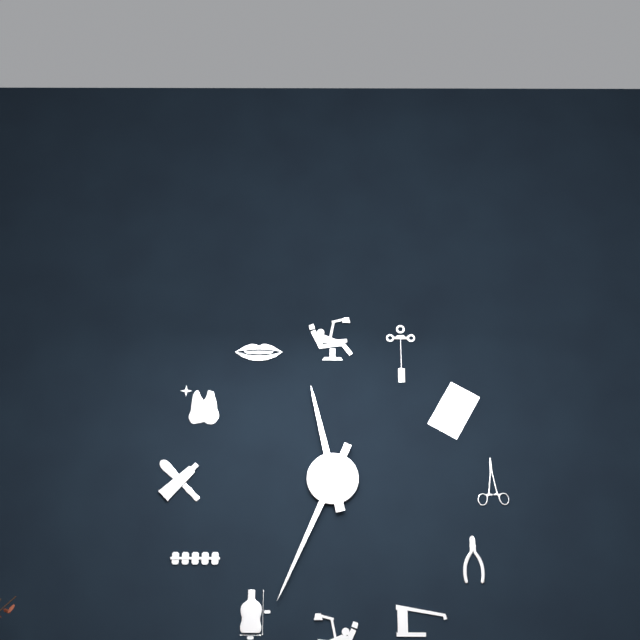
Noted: **11:34**
